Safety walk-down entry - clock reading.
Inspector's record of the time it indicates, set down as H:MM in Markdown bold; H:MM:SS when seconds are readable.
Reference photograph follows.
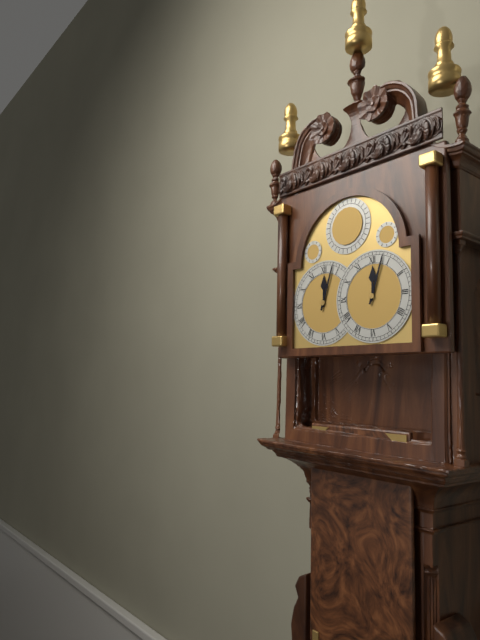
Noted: **12:03**
